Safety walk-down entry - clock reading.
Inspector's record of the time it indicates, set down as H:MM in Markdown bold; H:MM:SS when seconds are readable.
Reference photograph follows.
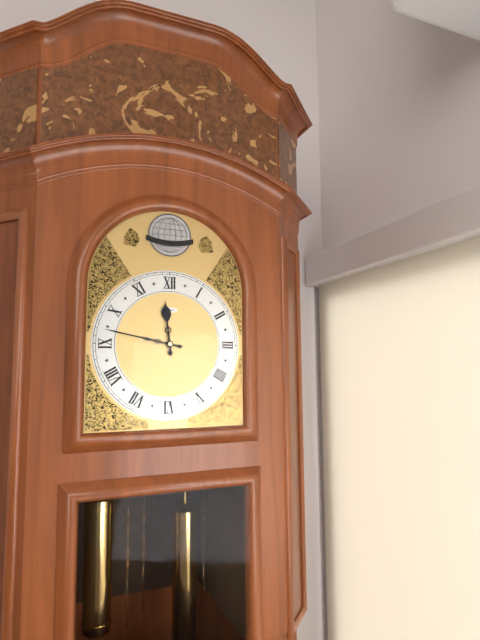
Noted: **11:47**
